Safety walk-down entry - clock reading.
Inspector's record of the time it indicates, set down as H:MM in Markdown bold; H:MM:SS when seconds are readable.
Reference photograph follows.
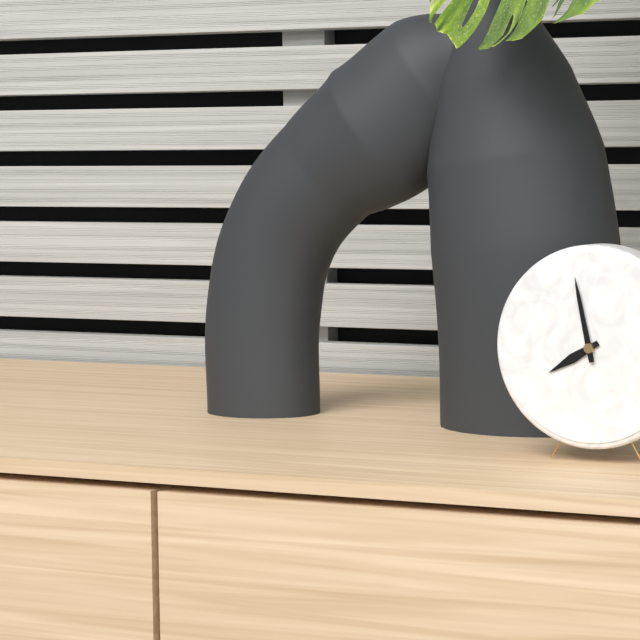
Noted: **7:58**
